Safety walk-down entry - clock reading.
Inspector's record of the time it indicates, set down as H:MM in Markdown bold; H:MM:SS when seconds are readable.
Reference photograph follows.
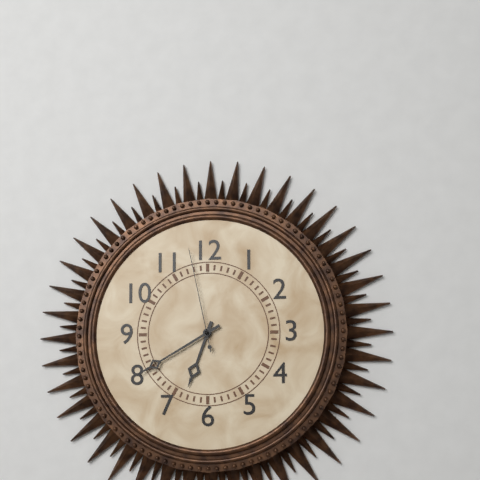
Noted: **6:40:58**
